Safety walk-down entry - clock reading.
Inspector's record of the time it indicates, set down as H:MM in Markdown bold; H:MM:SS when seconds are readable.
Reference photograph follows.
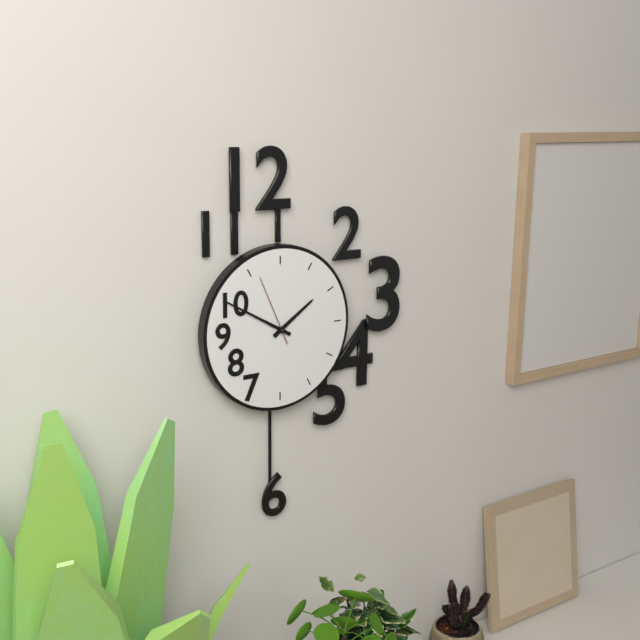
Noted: **1:50:56**
